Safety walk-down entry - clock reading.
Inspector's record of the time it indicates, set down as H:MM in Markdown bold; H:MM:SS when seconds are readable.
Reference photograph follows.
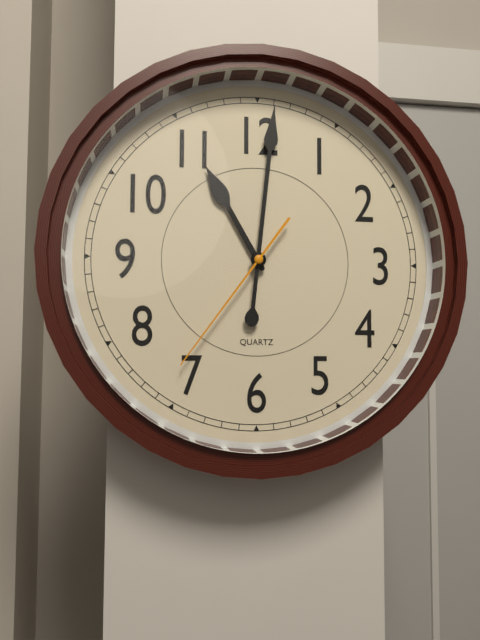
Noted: **11:01:36**
